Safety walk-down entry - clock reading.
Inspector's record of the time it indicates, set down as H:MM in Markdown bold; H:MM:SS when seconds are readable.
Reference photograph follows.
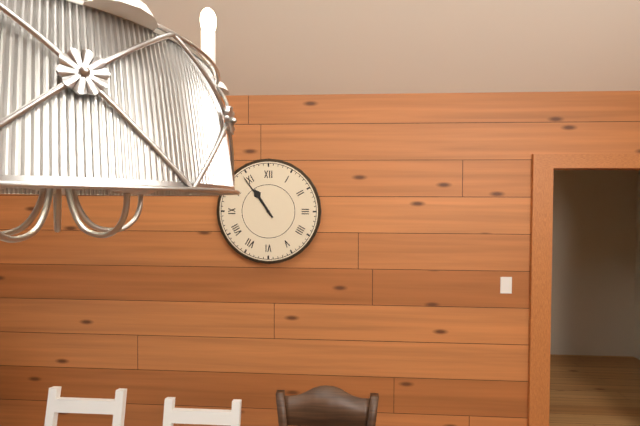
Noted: **10:54**
